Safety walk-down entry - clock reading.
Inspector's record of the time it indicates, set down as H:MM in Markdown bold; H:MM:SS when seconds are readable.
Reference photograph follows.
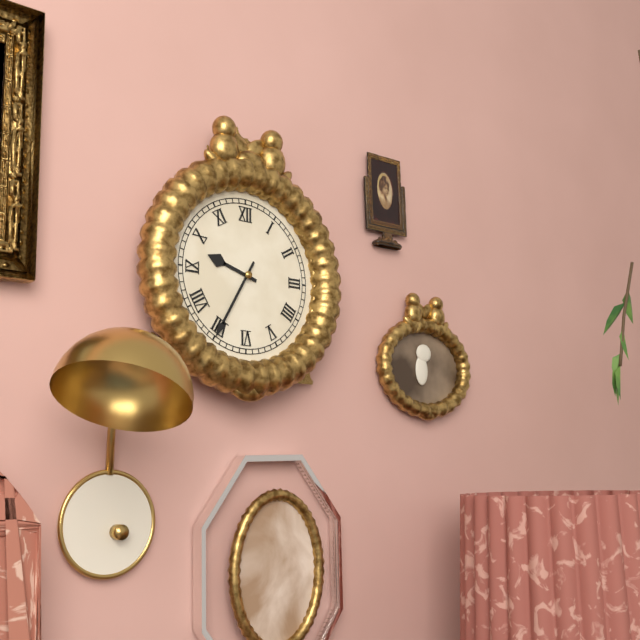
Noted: **9:35**
